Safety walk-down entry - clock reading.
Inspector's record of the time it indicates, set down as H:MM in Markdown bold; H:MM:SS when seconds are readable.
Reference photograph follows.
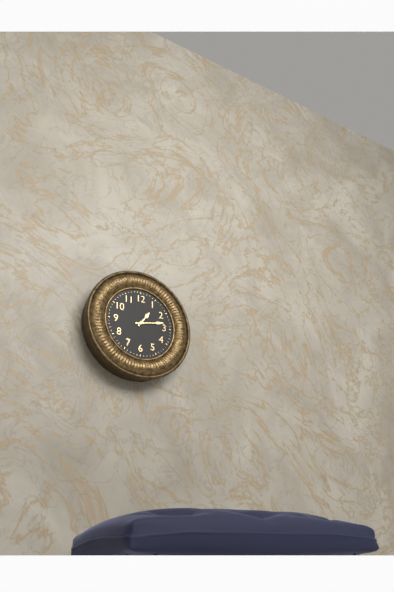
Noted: **1:13**
